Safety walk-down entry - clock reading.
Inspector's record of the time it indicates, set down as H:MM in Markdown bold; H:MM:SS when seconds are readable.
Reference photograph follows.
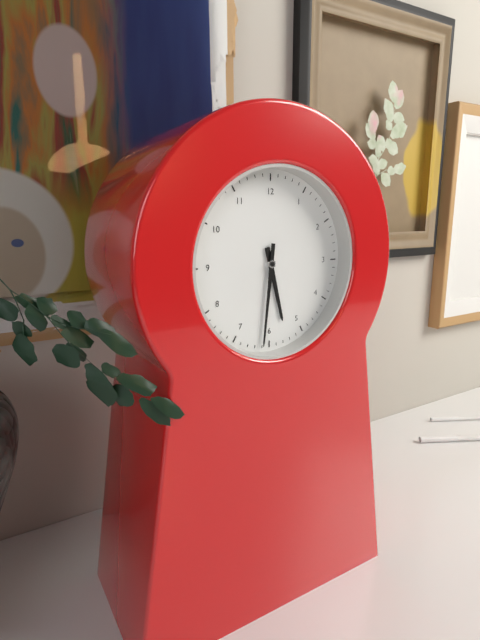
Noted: **5:31**
